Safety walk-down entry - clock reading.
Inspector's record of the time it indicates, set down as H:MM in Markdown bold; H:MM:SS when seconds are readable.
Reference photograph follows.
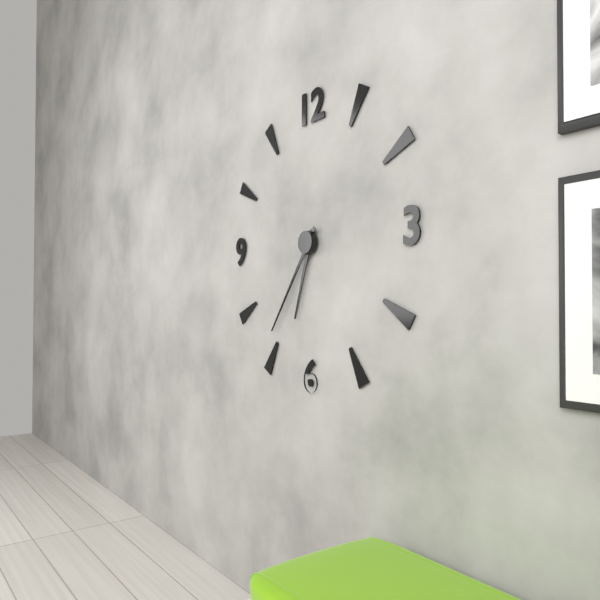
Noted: **6:36**
